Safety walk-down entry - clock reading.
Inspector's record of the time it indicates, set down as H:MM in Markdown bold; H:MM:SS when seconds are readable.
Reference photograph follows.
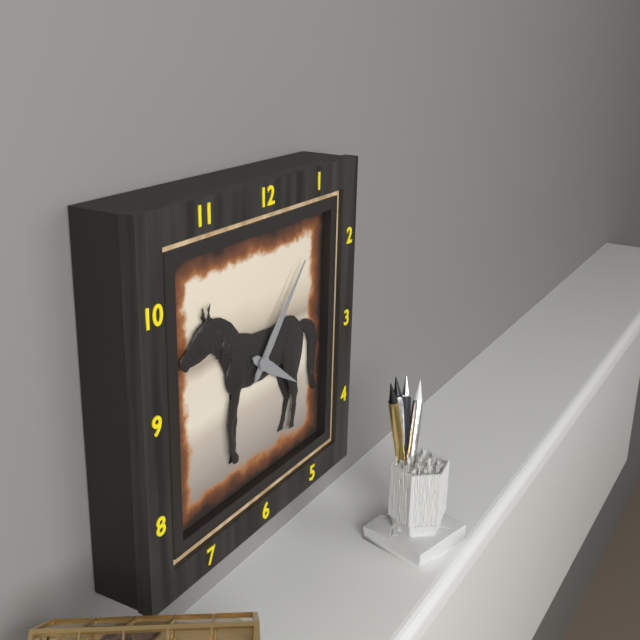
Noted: **4:07**
